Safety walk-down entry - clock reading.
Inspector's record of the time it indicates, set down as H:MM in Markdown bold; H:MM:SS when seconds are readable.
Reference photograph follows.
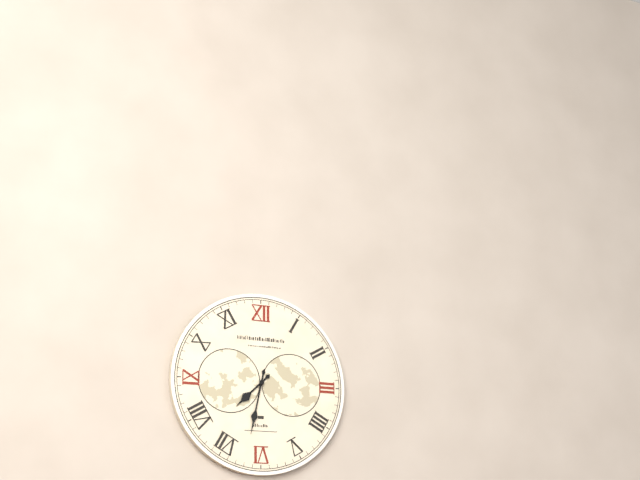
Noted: **7:32**
